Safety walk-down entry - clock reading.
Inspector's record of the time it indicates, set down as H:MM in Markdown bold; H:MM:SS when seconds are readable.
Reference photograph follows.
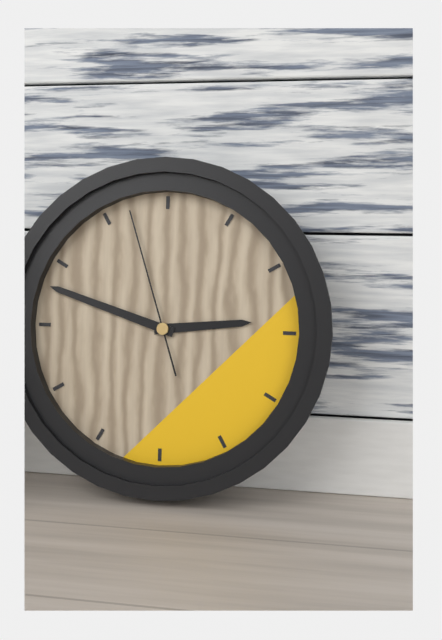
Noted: **2:48:57**
